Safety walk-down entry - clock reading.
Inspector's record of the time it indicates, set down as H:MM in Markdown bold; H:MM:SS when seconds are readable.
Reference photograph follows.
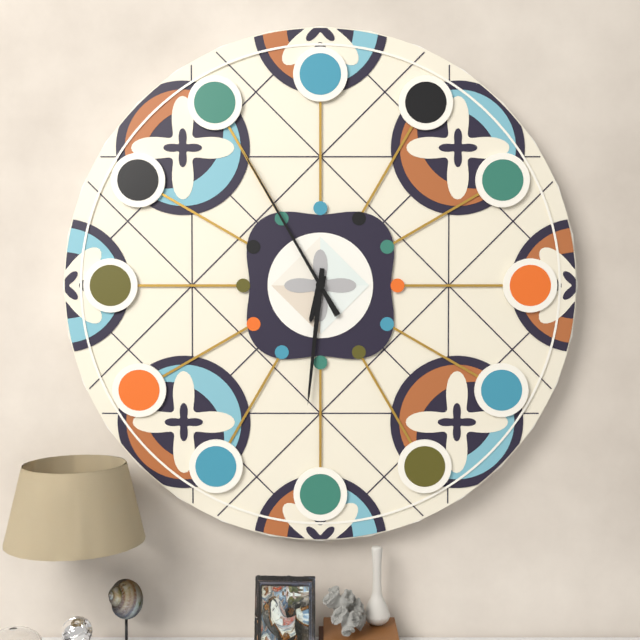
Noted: **6:31:55**
